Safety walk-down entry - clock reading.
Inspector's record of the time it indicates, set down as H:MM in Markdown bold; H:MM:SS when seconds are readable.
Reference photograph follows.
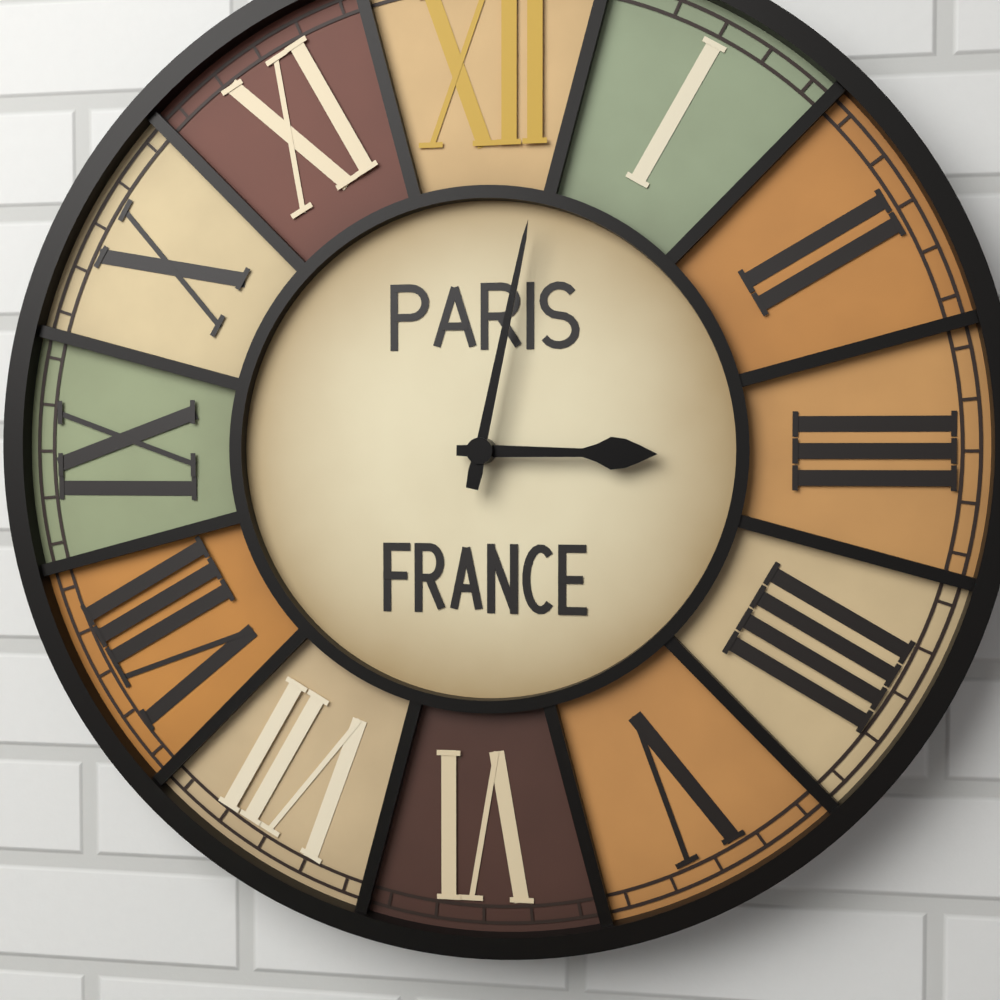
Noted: **3:02**
